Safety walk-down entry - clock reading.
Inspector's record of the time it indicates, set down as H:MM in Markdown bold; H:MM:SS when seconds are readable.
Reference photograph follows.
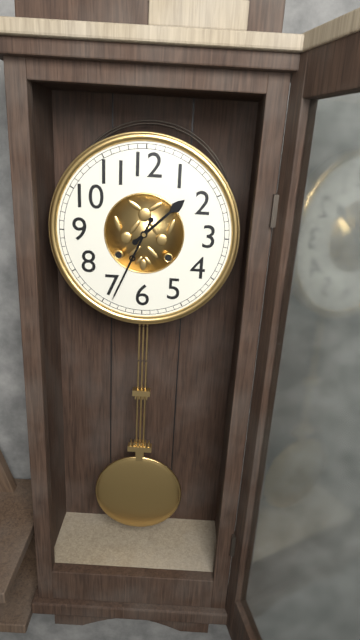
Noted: **1:34**
